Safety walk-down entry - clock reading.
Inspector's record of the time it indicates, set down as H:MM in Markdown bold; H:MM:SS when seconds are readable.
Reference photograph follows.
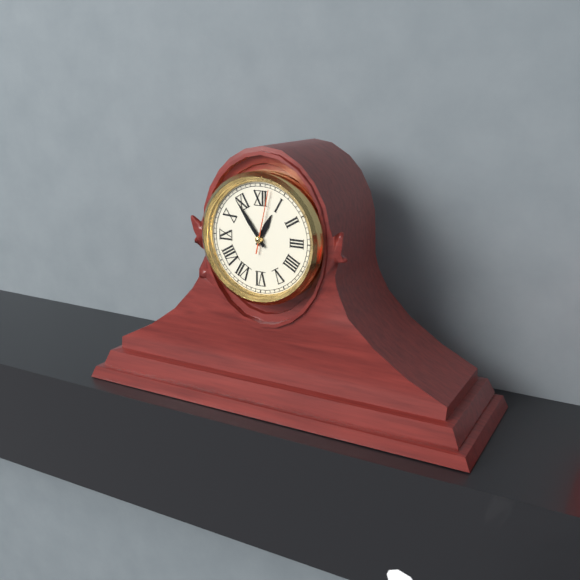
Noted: **12:54:02**
